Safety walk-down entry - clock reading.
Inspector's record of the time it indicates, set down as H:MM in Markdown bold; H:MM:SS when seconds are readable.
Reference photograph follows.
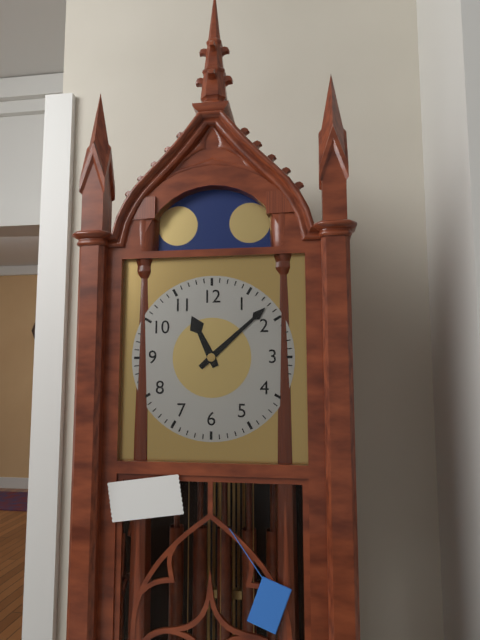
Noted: **11:08**
